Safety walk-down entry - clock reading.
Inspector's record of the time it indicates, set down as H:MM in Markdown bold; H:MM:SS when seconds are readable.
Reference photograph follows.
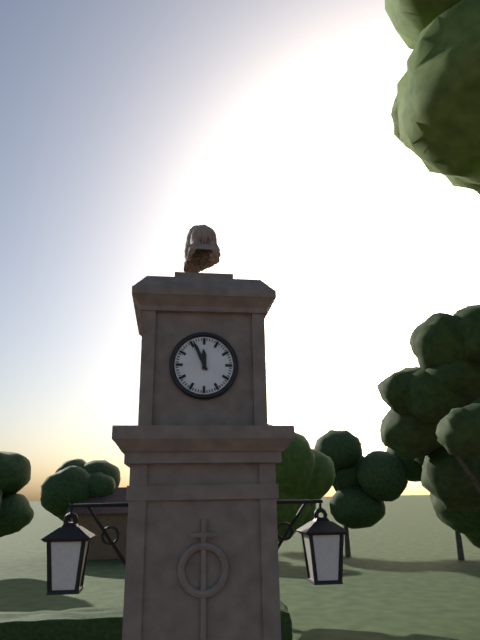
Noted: **11:56**
